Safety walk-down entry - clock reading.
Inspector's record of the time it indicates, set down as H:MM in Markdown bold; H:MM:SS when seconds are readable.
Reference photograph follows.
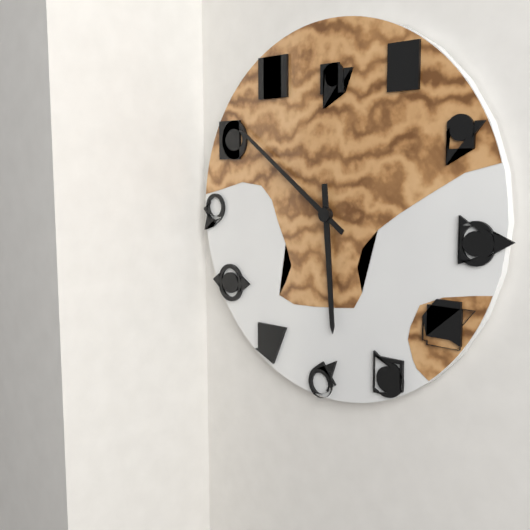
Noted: **5:51**
